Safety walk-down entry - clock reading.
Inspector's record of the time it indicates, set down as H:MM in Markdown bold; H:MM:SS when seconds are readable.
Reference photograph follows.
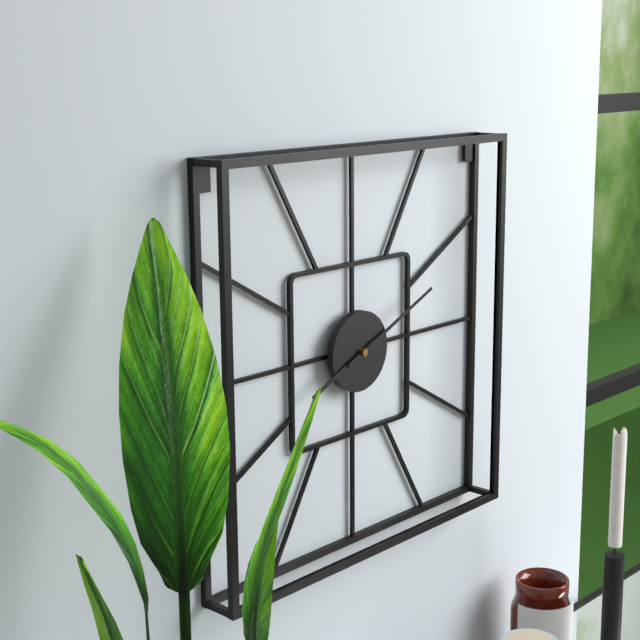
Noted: **8:11**
